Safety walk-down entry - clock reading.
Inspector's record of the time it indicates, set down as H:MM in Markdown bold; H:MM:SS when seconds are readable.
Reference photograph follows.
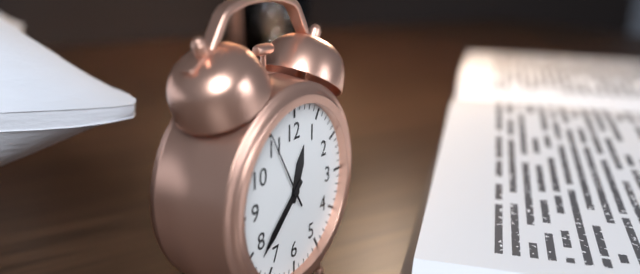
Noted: **12:38:55**
